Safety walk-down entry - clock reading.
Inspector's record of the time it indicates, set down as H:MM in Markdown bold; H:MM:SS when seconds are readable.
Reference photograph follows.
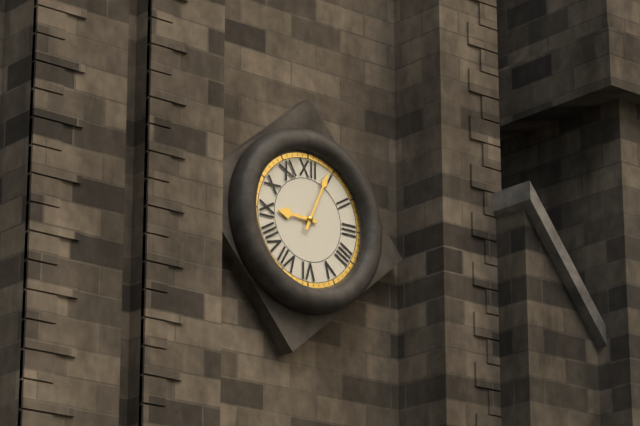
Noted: **9:04**
